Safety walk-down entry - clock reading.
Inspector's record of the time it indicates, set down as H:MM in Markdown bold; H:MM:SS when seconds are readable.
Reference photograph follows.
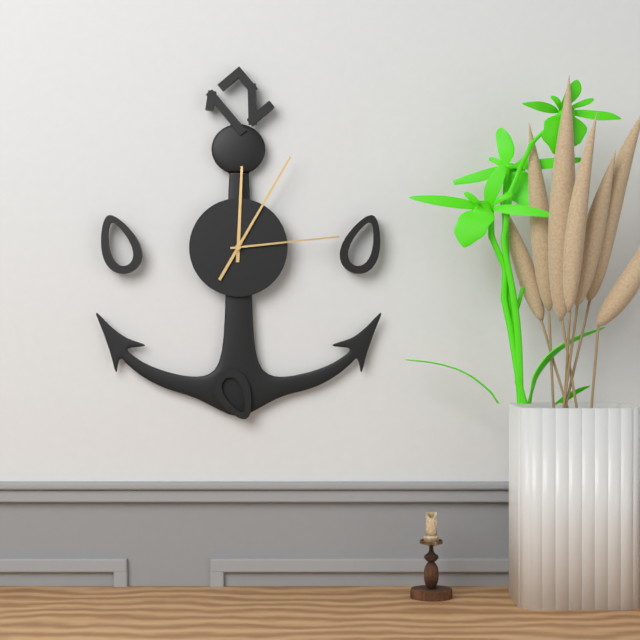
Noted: **12:05:14**
